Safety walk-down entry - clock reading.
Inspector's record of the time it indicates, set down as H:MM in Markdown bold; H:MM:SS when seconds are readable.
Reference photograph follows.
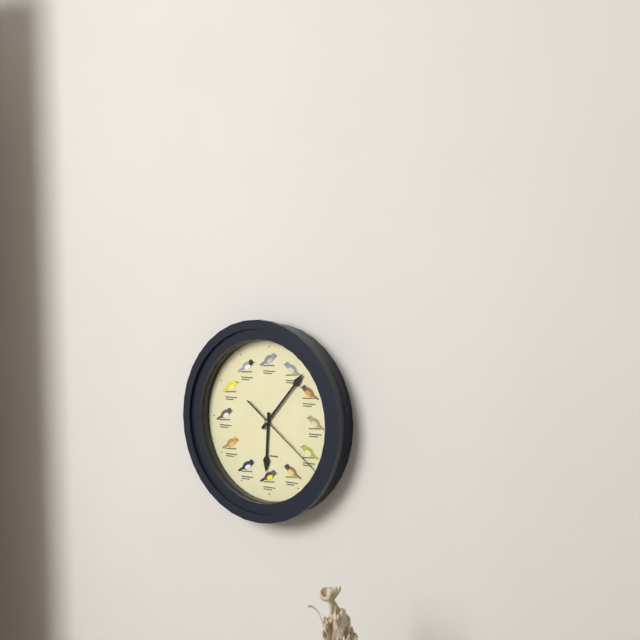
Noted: **6:07:21**
